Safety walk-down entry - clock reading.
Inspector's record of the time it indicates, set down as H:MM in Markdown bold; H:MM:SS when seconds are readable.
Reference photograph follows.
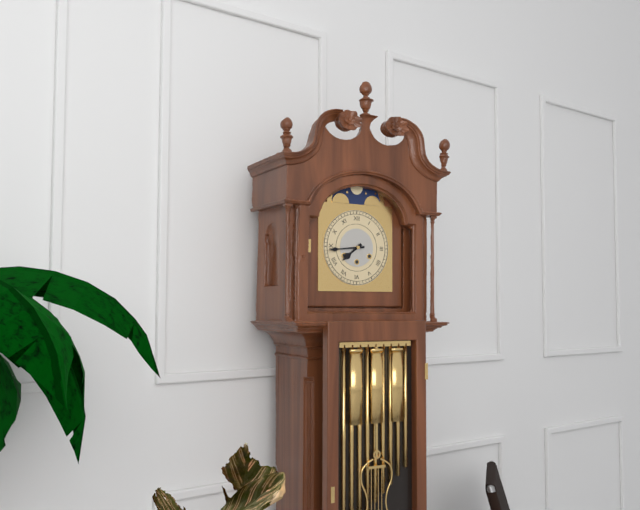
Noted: **7:44**
